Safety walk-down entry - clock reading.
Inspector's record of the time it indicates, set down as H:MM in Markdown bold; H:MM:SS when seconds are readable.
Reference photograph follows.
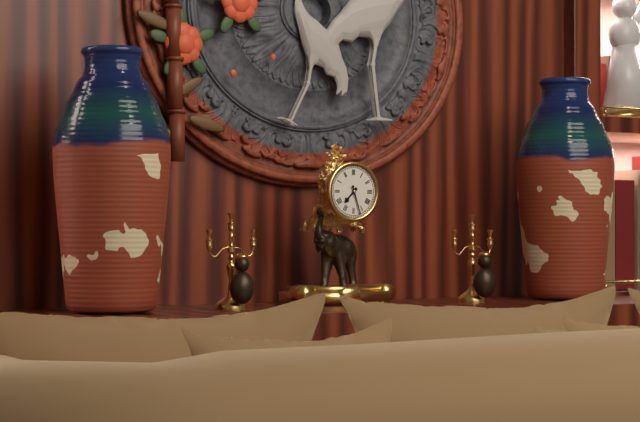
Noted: **7:27**
